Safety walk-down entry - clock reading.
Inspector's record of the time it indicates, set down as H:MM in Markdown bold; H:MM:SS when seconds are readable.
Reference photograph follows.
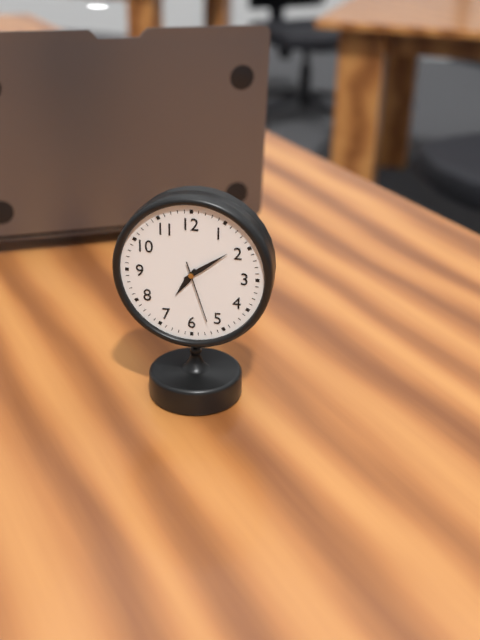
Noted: **7:09:27**
